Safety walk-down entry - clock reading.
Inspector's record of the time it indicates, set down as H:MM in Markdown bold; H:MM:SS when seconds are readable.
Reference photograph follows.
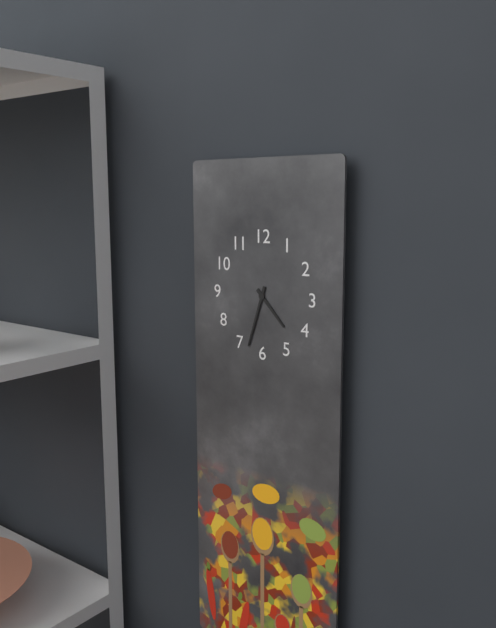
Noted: **4:33**
